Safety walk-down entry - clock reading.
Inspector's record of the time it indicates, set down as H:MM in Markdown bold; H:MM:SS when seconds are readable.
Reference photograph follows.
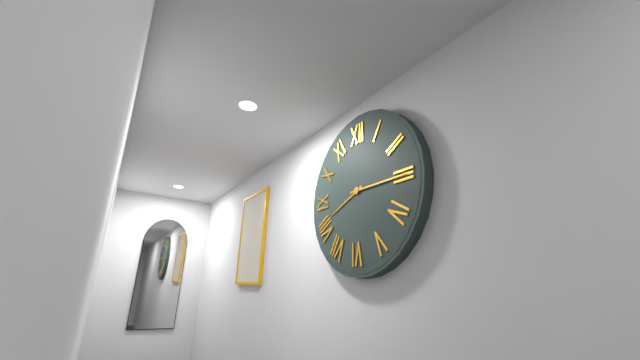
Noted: **8:15**
